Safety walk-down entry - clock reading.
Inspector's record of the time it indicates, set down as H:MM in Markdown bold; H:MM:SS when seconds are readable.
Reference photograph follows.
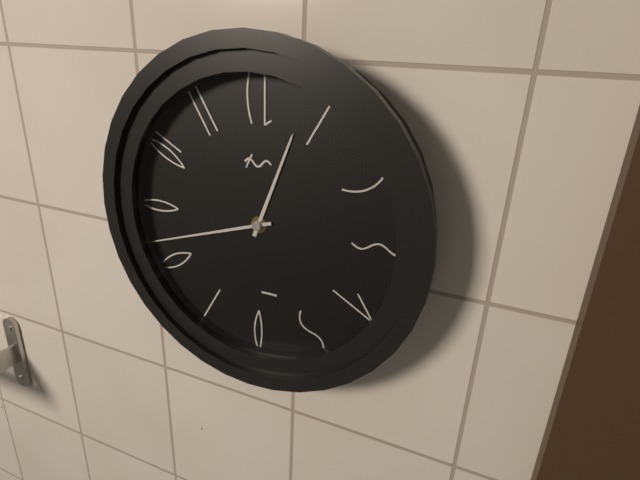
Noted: **12:42**
